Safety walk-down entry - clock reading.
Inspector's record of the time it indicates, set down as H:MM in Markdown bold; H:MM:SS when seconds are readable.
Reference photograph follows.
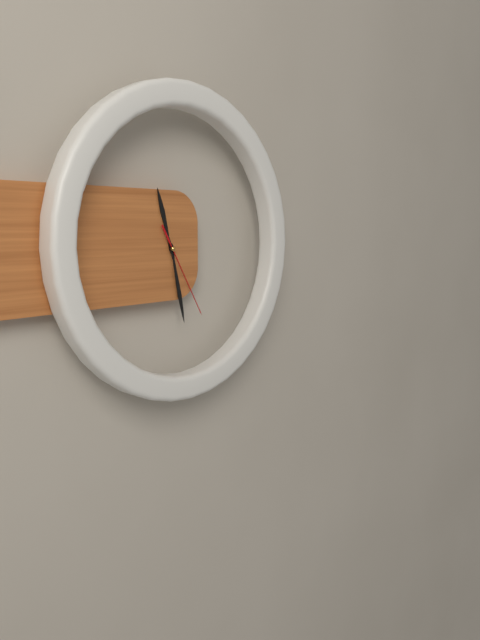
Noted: **11:28:25**
